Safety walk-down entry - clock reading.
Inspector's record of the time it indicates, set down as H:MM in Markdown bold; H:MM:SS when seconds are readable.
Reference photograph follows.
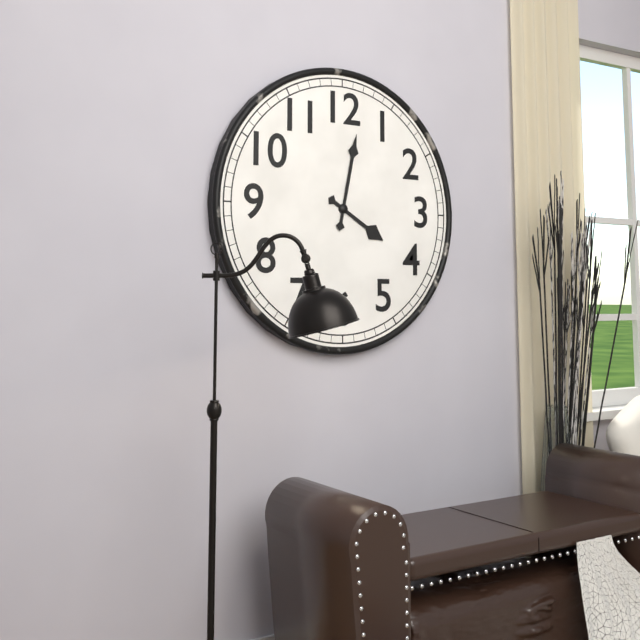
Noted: **4:02**
